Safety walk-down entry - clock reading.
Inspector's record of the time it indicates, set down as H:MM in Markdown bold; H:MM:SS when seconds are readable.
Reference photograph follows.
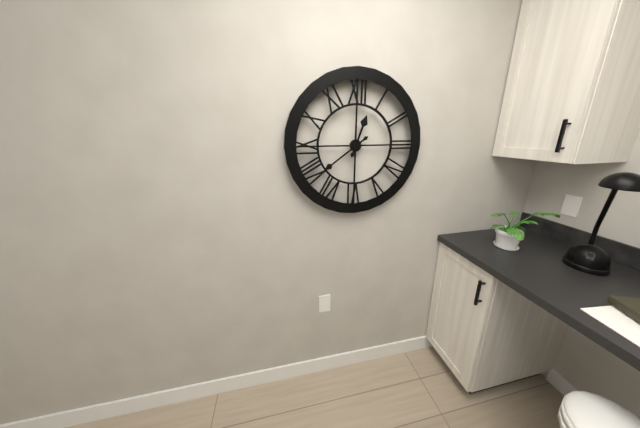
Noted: **12:39**
